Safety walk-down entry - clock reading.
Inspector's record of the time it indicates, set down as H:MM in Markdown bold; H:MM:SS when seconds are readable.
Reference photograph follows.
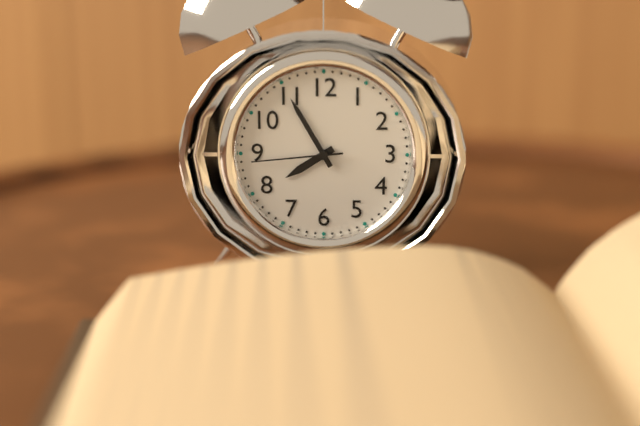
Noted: **7:55:44**
